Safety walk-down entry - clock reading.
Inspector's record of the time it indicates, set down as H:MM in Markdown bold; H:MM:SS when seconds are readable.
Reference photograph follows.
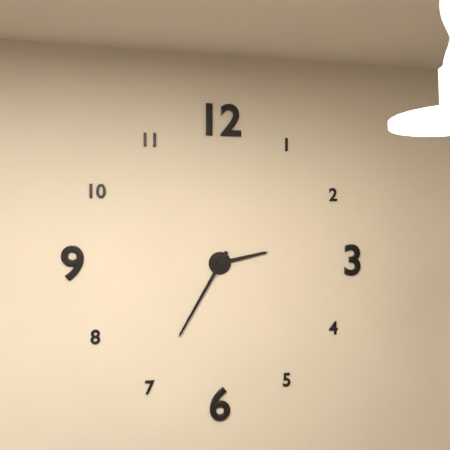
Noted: **2:35**
